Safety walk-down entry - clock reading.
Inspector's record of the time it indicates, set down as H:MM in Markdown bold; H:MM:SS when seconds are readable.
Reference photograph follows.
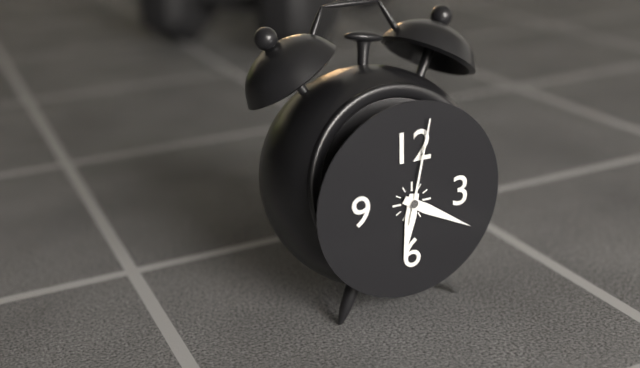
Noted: **6:20:02**
